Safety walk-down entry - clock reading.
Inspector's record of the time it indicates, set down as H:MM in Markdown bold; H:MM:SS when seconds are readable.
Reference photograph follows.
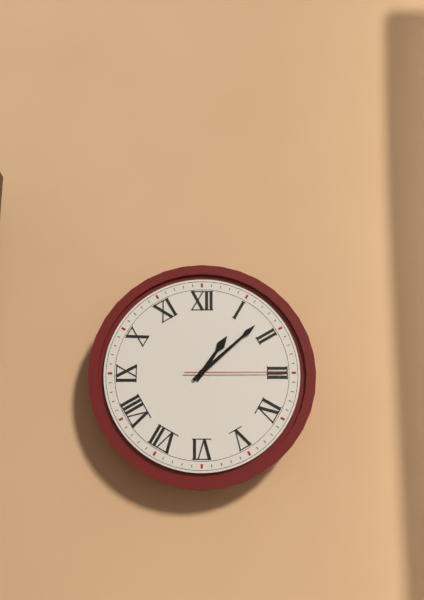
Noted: **1:08:15**
